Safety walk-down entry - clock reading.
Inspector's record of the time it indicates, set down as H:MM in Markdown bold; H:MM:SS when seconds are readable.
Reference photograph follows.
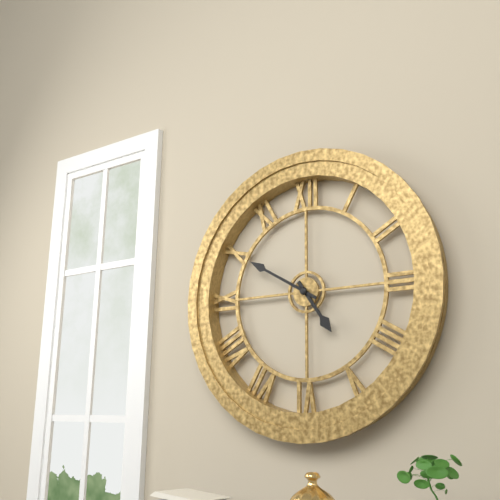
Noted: **4:50**
